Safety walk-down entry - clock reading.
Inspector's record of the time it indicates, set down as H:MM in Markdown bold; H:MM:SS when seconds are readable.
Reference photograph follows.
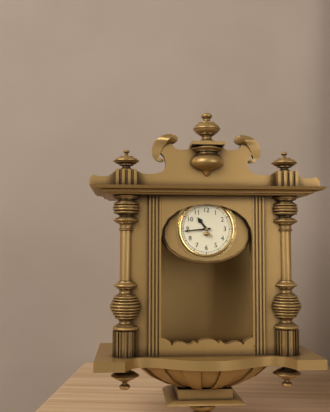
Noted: **10:44**
